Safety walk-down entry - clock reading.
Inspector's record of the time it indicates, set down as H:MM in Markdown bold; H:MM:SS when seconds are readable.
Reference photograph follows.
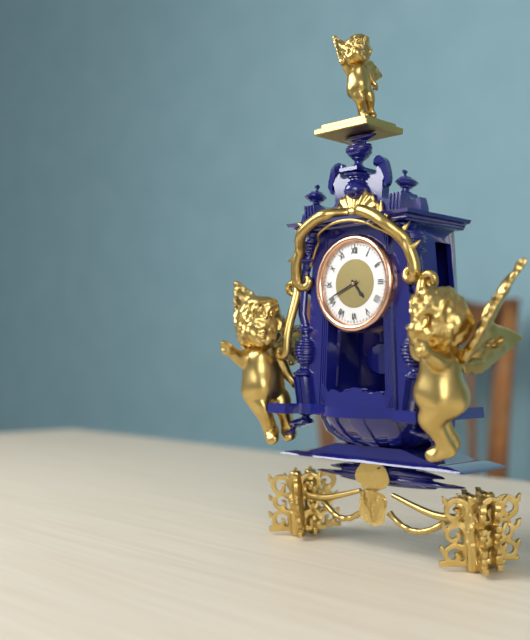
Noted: **4:41**
